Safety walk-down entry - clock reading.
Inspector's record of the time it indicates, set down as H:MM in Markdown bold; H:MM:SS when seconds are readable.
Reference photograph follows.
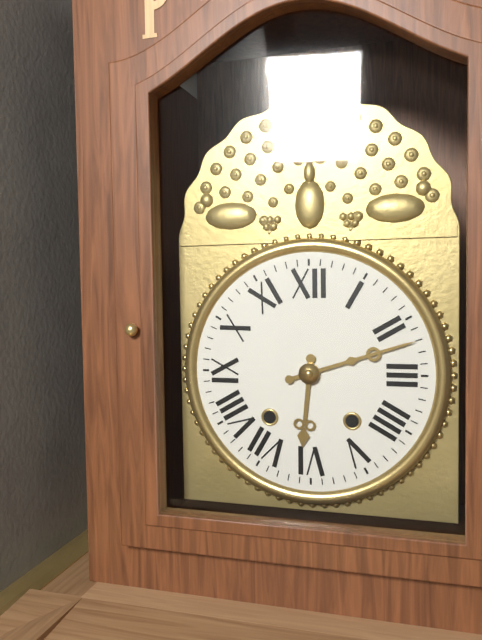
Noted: **6:12**
